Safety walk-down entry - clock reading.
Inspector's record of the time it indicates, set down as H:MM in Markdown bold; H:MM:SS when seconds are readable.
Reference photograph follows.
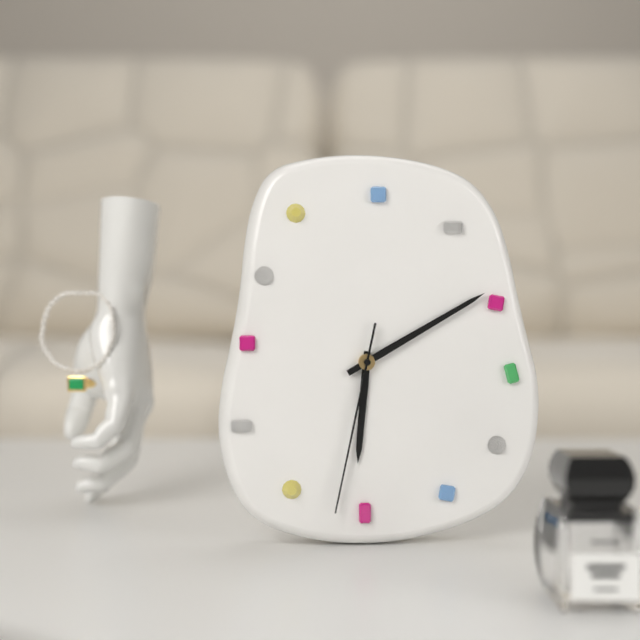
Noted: **6:10:32**
